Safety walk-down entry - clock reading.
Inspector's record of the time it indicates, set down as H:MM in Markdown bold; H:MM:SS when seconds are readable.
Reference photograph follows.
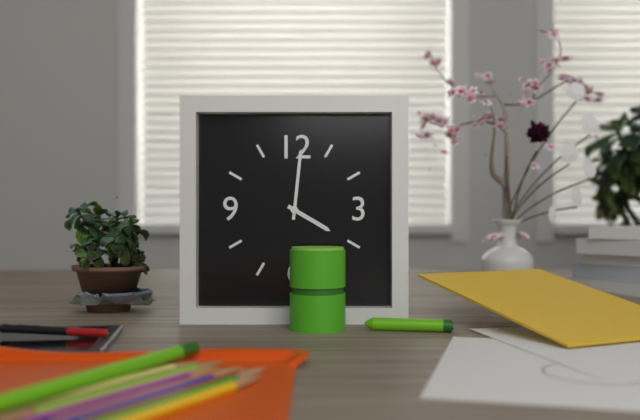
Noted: **4:01**
